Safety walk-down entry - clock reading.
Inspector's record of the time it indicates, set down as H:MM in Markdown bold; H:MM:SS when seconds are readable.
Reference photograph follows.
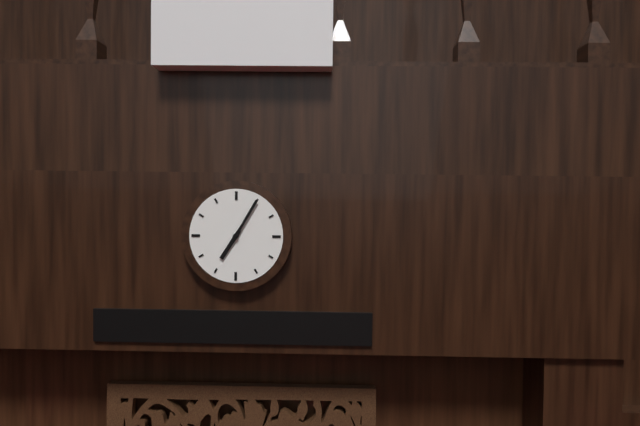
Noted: **7:05**
